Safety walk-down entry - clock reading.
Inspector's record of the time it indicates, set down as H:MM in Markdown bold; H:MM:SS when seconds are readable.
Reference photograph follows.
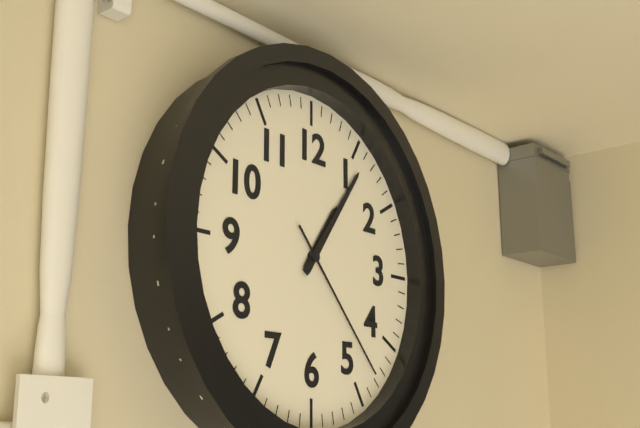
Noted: **1:06:23**
